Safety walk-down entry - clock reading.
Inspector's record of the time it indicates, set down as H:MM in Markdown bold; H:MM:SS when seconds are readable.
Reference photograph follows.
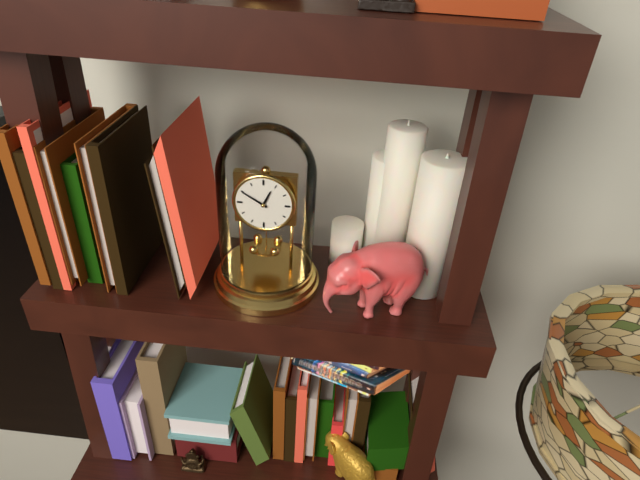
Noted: **12:50**
